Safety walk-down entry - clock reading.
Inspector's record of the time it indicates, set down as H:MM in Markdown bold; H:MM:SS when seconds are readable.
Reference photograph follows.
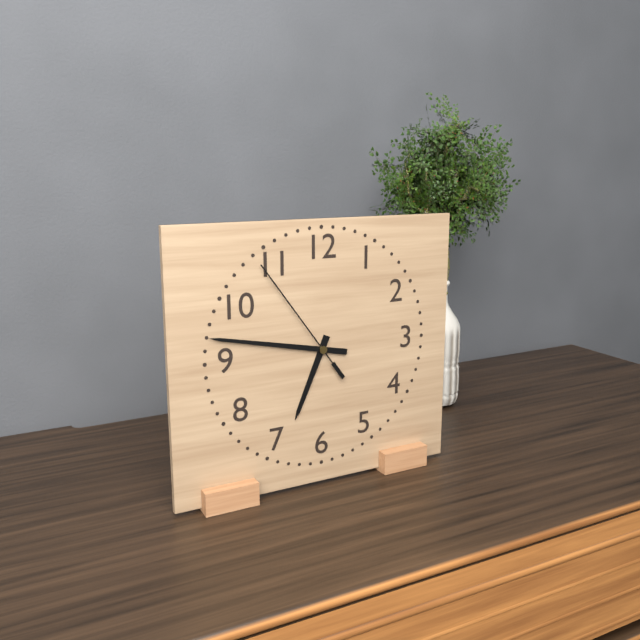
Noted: **6:47:54**
